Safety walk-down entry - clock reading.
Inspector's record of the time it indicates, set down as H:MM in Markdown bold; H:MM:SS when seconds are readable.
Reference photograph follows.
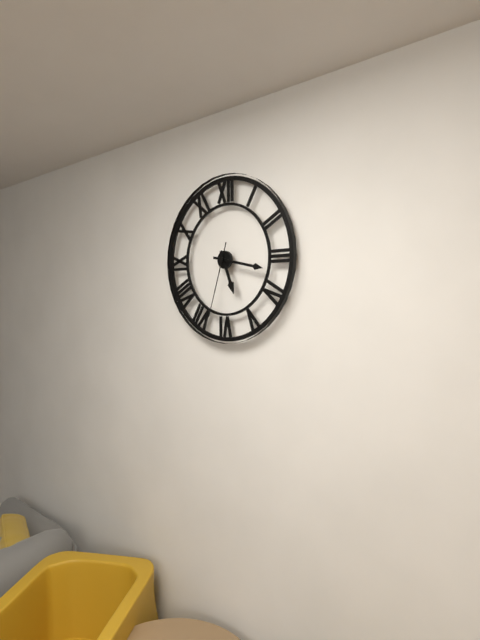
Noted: **5:17:33**
